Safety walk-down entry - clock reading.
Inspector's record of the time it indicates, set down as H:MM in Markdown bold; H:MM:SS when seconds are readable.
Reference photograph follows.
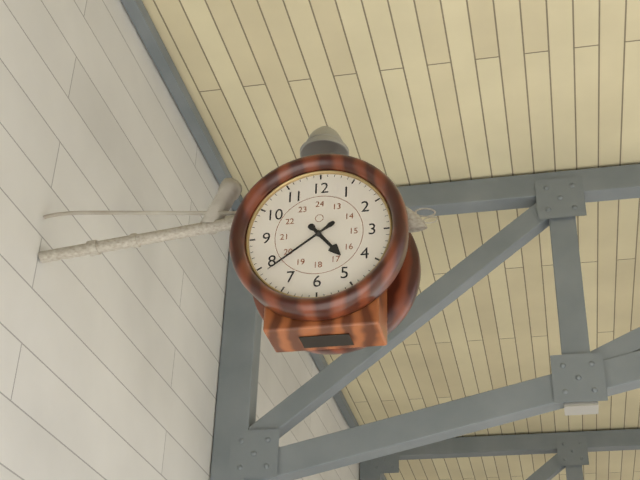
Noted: **4:39**
